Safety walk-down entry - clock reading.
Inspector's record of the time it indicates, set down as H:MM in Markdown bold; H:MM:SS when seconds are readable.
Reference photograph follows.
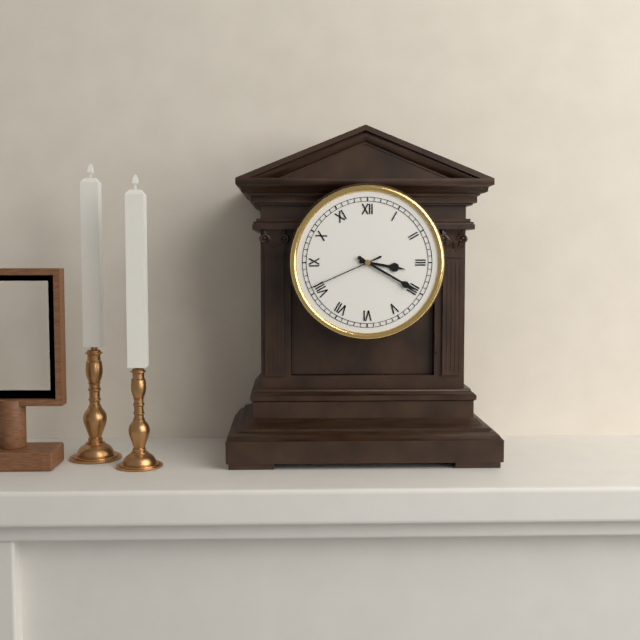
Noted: **3:20:41**
